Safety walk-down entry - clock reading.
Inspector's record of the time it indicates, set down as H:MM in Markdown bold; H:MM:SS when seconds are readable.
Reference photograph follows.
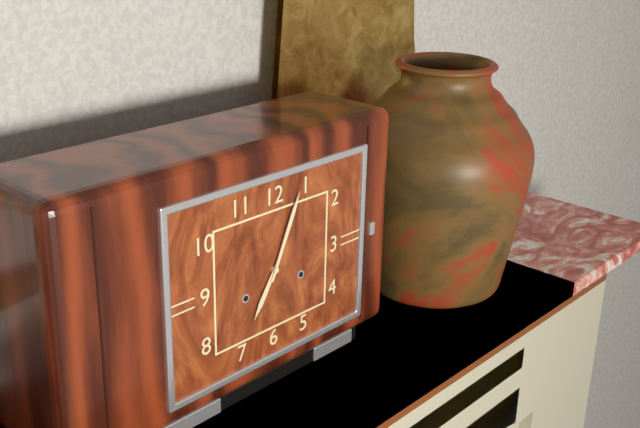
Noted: **7:04**
